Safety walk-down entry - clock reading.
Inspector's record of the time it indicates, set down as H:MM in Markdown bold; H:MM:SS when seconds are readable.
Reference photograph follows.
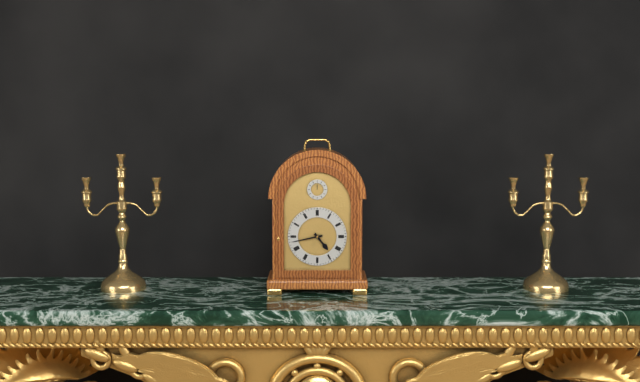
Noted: **4:43**
